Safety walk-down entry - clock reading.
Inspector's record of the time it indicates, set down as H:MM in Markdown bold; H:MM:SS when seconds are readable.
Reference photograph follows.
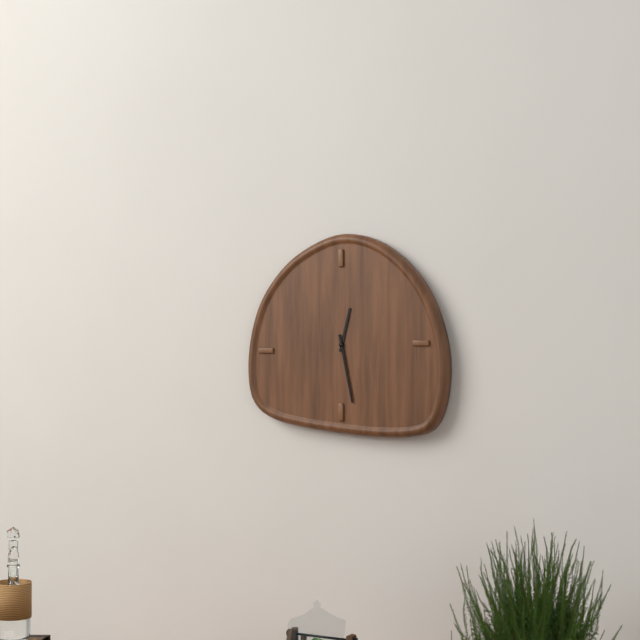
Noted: **12:28**
